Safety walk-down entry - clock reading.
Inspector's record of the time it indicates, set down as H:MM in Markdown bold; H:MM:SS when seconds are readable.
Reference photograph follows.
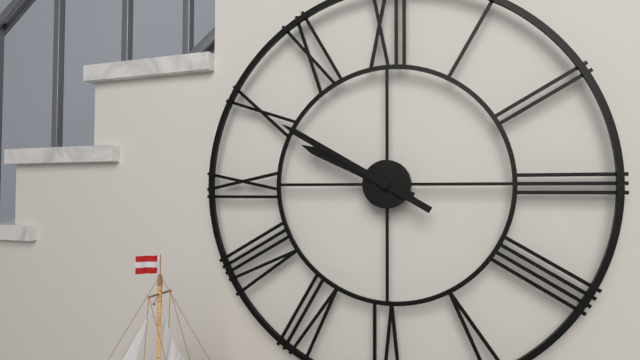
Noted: **9:50**
